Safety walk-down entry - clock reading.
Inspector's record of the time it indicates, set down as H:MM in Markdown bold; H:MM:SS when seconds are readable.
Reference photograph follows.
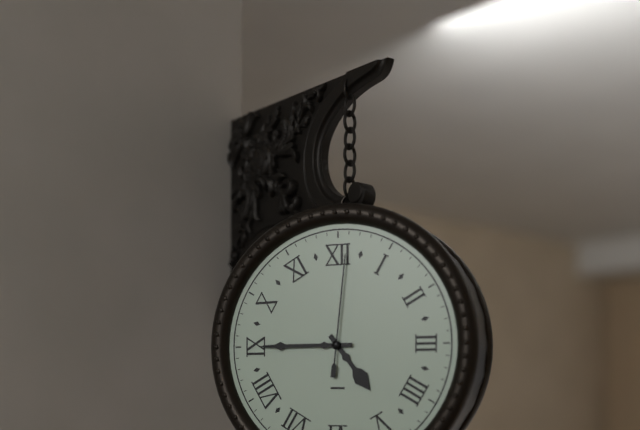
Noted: **4:45:01**
